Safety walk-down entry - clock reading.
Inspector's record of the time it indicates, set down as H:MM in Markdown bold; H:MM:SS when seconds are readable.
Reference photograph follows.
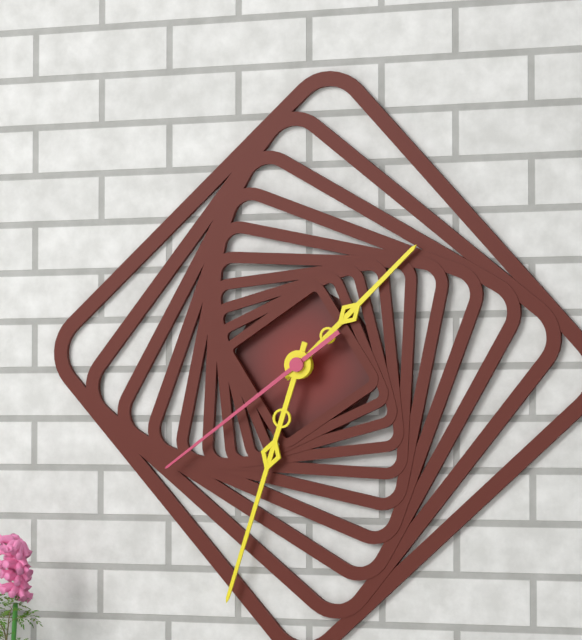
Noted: **1:33:39**
